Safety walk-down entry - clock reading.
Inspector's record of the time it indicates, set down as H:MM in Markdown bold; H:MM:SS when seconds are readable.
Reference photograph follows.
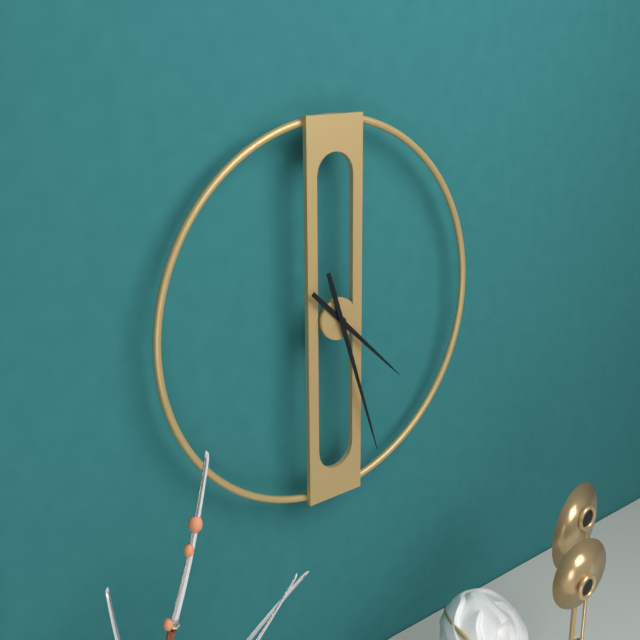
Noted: **4:27**
